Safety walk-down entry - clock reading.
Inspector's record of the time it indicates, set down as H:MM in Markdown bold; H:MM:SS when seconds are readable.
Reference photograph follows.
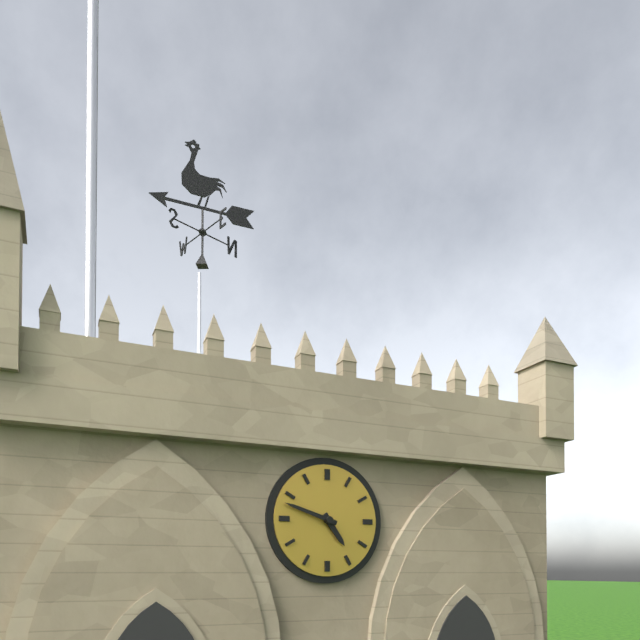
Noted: **4:48**
